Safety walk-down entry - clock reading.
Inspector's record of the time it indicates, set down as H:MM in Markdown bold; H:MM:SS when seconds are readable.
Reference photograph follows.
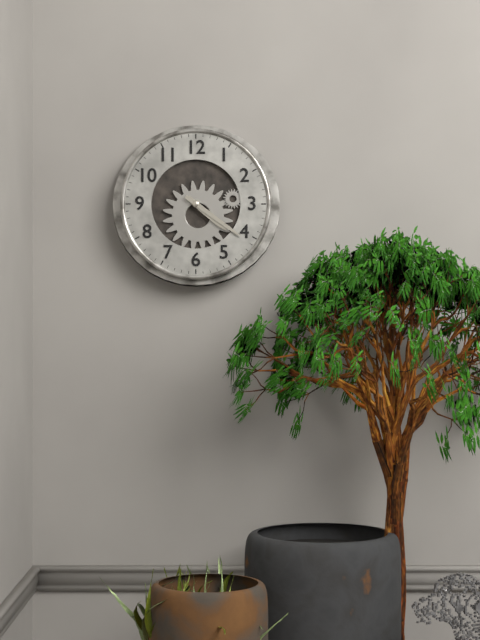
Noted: **4:21**
